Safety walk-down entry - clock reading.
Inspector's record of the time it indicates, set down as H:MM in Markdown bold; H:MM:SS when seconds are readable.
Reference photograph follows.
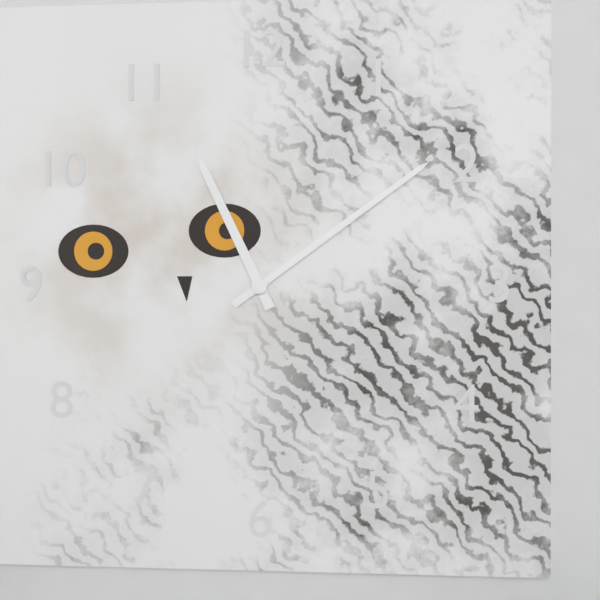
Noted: **11:09**
